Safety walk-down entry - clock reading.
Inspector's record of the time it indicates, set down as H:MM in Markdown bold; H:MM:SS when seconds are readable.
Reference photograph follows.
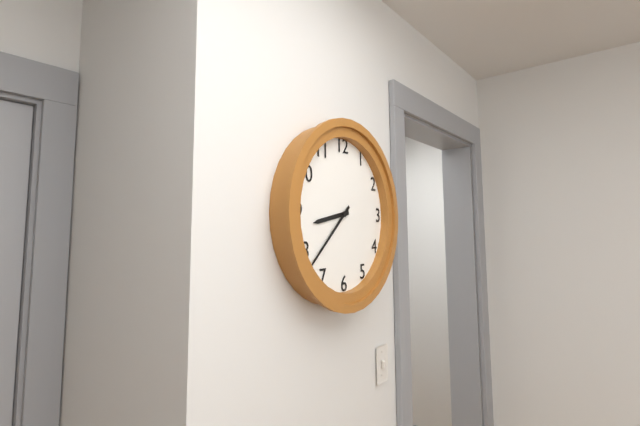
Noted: **8:38**
